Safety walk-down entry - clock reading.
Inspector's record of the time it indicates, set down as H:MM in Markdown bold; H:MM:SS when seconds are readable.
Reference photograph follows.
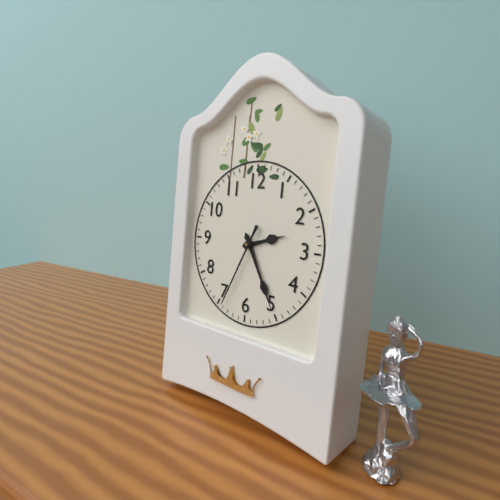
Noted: **2:25:34**
